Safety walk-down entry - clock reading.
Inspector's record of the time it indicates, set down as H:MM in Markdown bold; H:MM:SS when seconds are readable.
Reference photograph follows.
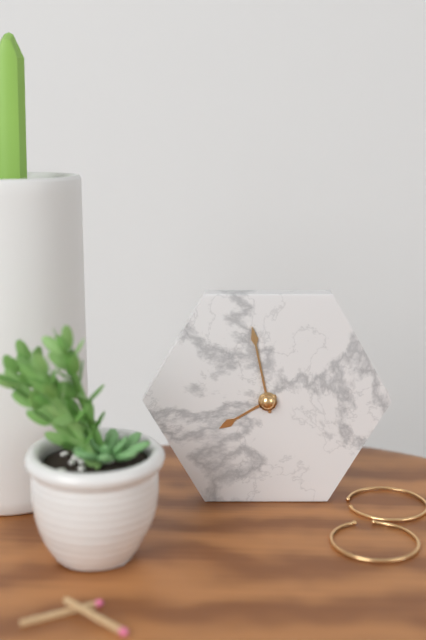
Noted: **7:58**
